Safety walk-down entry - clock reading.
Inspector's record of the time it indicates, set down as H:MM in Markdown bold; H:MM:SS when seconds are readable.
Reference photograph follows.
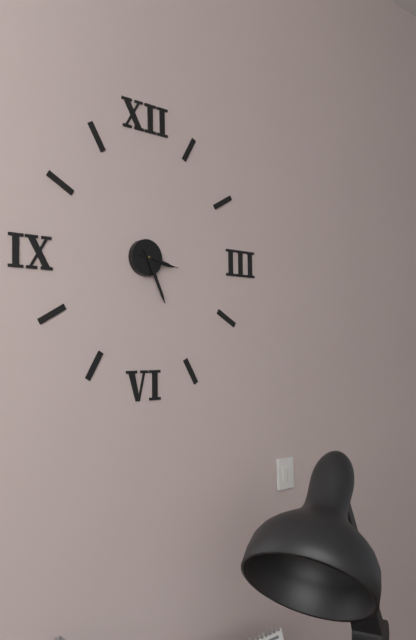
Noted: **3:26**
